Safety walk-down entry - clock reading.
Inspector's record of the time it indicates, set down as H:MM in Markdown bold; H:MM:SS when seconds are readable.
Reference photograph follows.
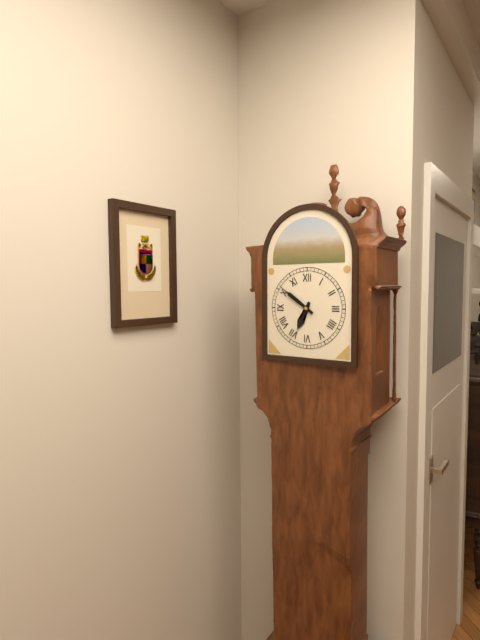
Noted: **6:51**
